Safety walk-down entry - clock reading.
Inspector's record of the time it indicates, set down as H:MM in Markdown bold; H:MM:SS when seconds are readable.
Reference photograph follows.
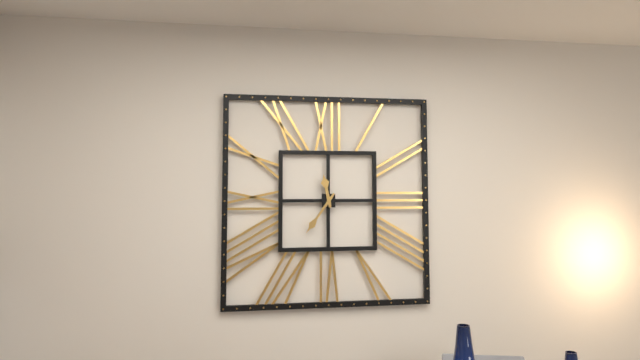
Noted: **11:36**
